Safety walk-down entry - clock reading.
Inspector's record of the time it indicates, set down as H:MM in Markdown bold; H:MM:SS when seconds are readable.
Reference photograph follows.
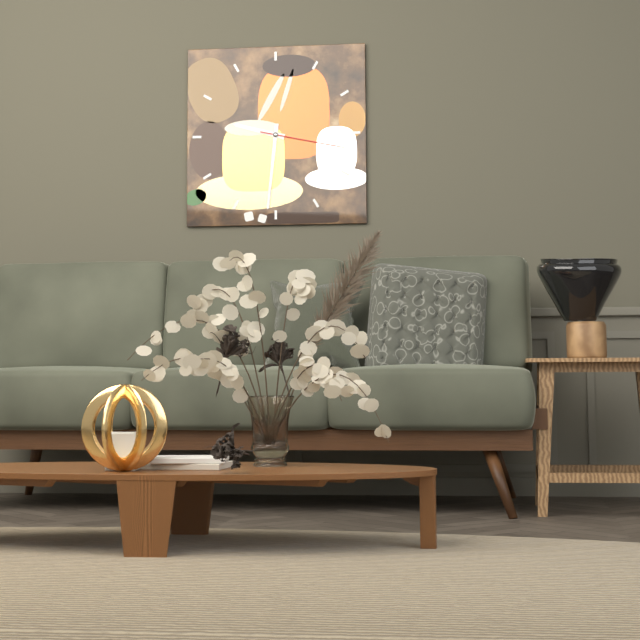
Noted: **9:31:17**
